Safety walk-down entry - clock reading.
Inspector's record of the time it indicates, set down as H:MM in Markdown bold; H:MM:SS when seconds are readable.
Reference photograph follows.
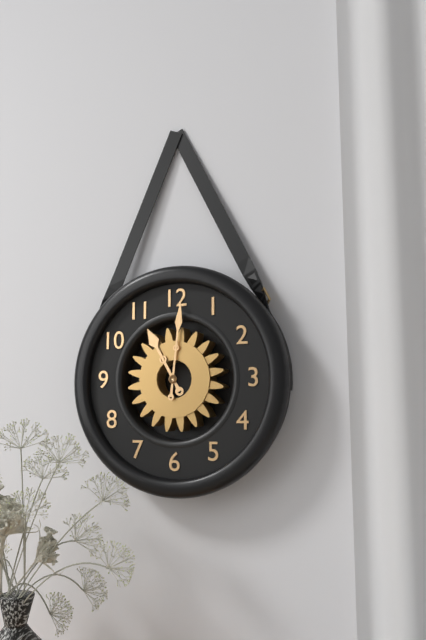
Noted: **11:01**
